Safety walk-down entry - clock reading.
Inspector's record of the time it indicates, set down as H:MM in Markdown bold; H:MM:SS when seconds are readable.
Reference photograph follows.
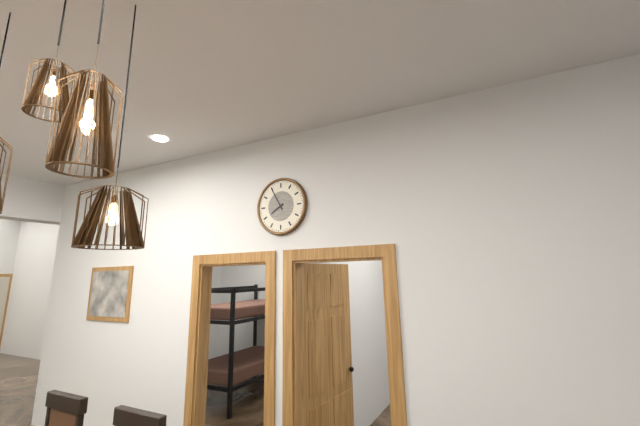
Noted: **7:55**
